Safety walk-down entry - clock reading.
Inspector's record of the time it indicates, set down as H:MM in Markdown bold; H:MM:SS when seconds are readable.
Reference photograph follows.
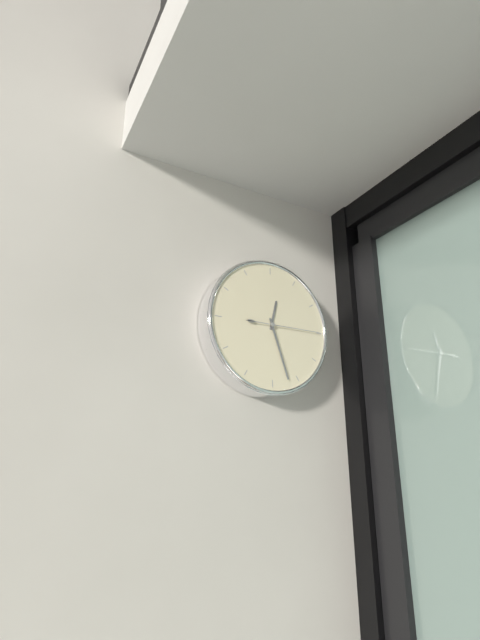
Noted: **12:27:15**
